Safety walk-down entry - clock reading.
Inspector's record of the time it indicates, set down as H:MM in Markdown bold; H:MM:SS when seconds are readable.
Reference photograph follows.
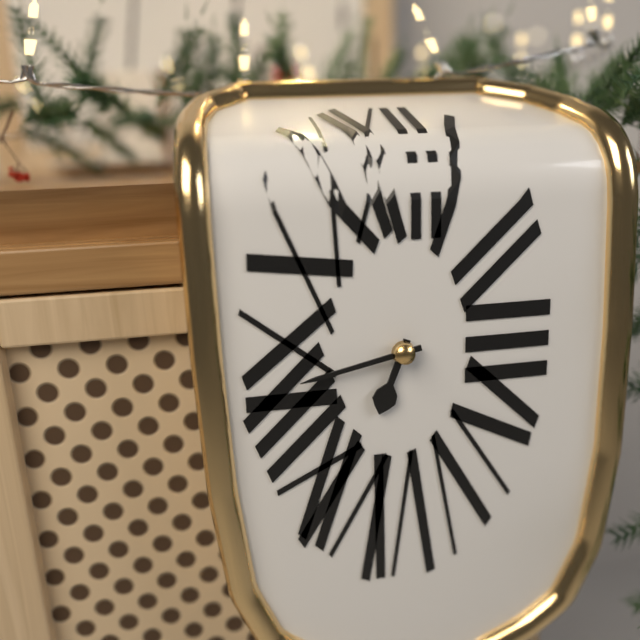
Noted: **6:43**
